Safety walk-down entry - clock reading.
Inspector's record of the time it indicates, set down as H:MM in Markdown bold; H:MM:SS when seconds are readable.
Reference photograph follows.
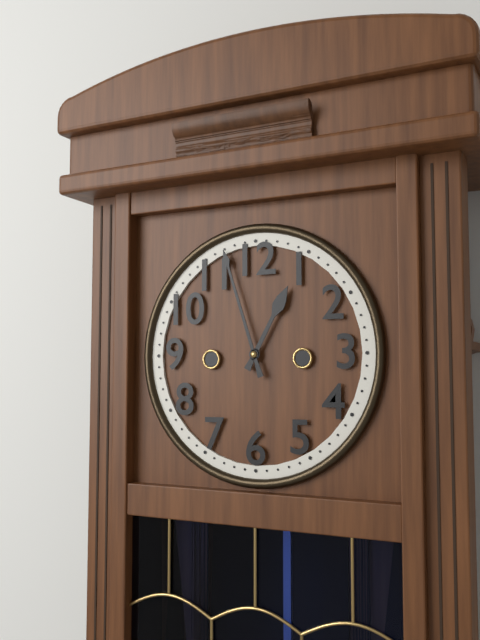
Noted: **12:57**
